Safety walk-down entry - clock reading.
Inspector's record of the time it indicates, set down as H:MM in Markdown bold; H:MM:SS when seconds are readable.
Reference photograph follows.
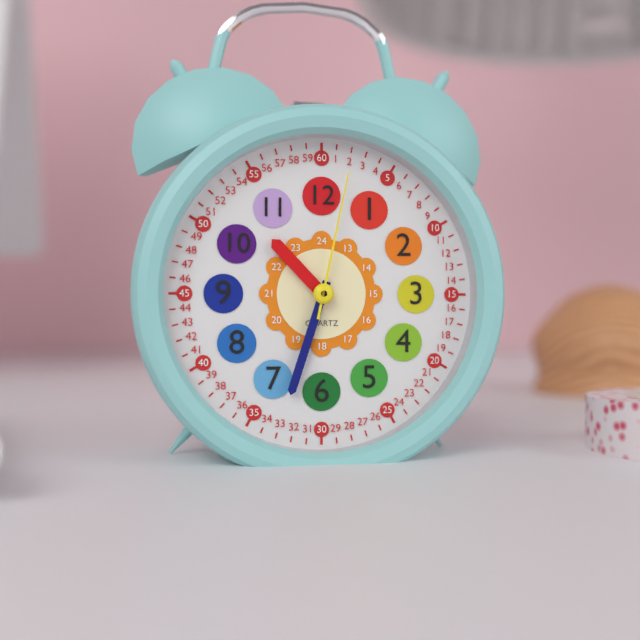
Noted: **10:33:02**
